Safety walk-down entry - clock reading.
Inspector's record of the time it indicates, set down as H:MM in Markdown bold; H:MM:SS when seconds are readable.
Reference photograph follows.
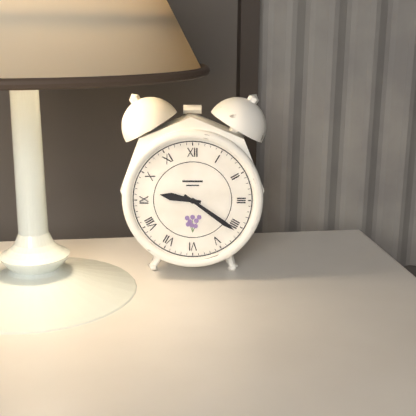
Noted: **9:21**
